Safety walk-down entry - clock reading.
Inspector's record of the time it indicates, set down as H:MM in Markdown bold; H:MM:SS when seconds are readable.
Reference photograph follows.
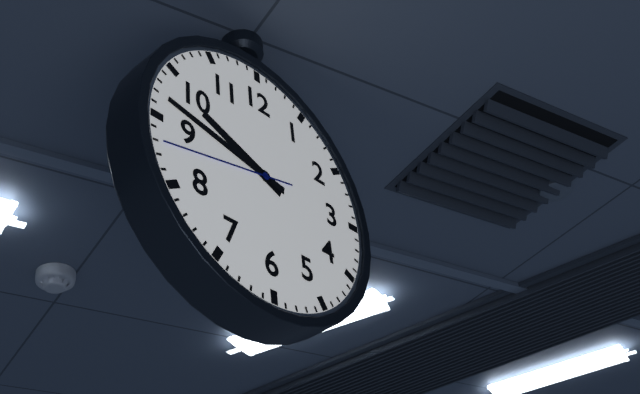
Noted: **9:47:43**
